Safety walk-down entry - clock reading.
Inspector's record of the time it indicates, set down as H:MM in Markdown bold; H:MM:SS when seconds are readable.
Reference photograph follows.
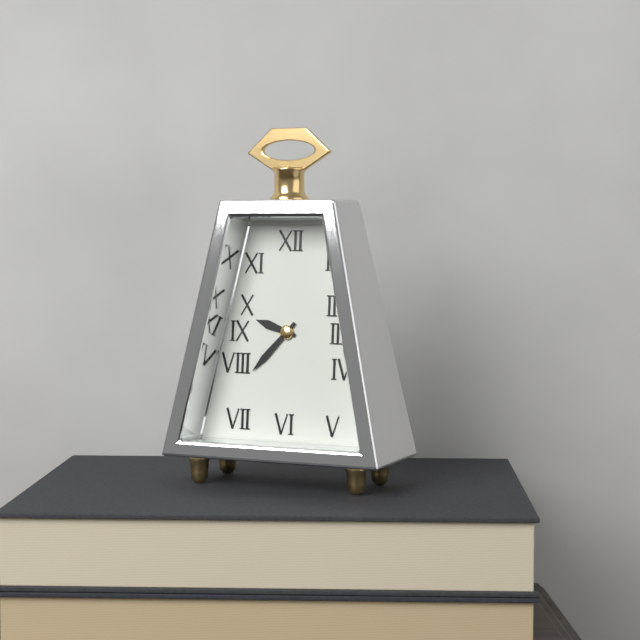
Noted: **9:37**
